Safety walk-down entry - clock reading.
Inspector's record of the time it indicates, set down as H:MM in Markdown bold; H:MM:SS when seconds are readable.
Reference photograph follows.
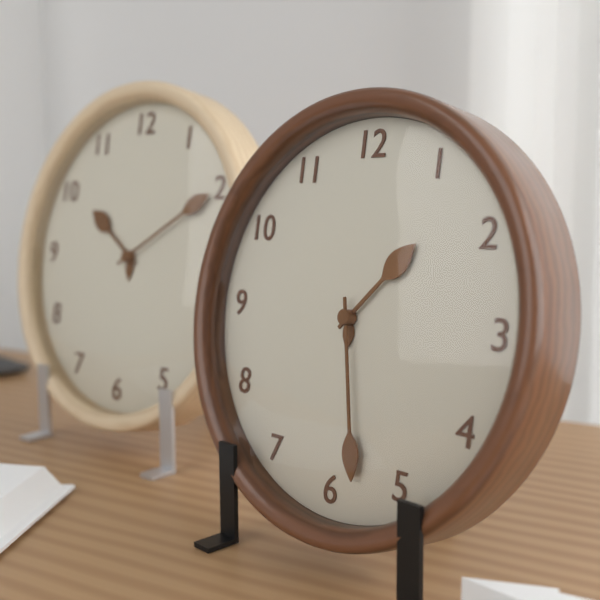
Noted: **1:28**
